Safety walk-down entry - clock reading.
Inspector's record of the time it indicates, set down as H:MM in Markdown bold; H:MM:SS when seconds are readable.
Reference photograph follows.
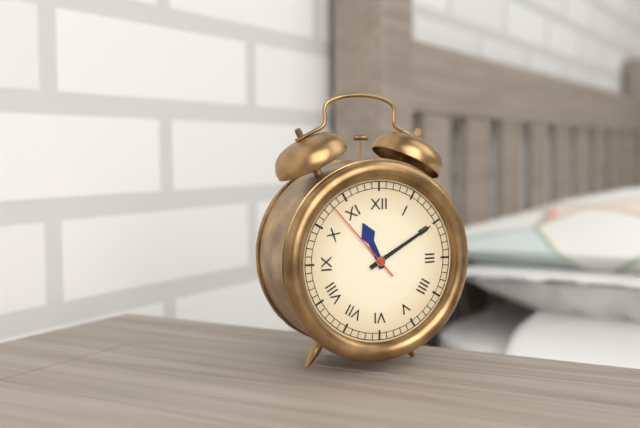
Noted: **11:10:53**
